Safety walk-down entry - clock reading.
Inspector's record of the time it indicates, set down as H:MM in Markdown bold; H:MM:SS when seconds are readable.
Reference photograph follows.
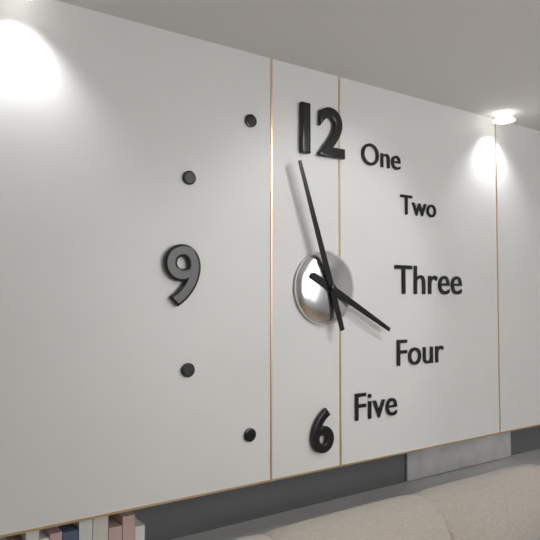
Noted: **3:57**
